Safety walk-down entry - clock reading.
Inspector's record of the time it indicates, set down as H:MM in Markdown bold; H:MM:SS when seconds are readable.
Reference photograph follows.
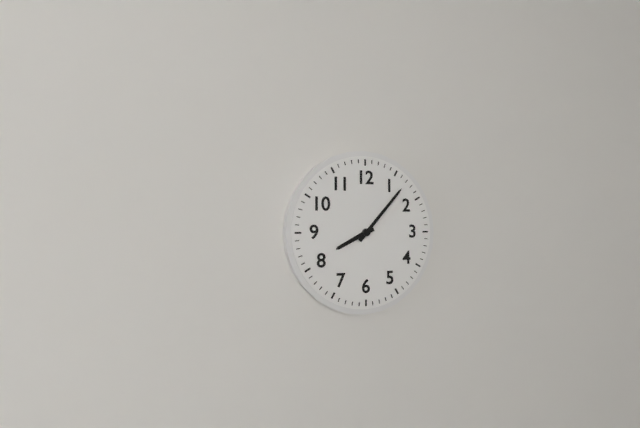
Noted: **8:07**
